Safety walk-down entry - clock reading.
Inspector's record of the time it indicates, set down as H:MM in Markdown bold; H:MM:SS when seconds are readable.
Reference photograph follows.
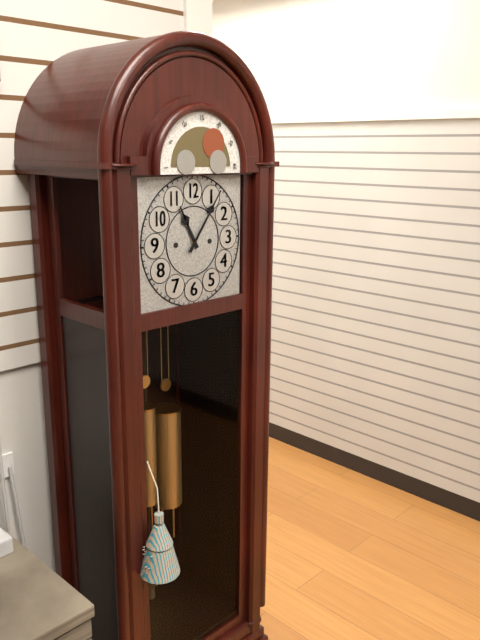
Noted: **11:06**
